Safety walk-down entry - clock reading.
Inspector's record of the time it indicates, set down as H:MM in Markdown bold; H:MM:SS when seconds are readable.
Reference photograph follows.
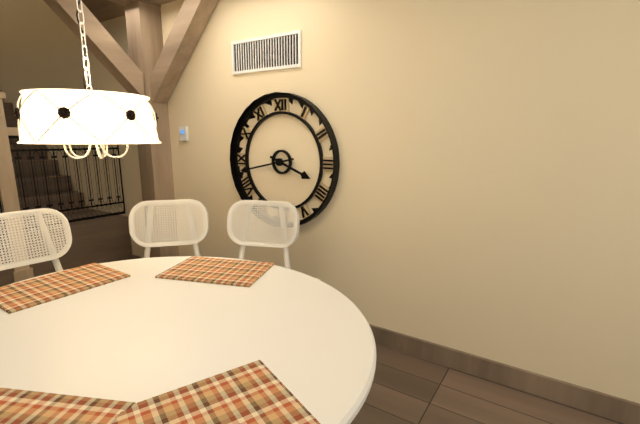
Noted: **3:43**
